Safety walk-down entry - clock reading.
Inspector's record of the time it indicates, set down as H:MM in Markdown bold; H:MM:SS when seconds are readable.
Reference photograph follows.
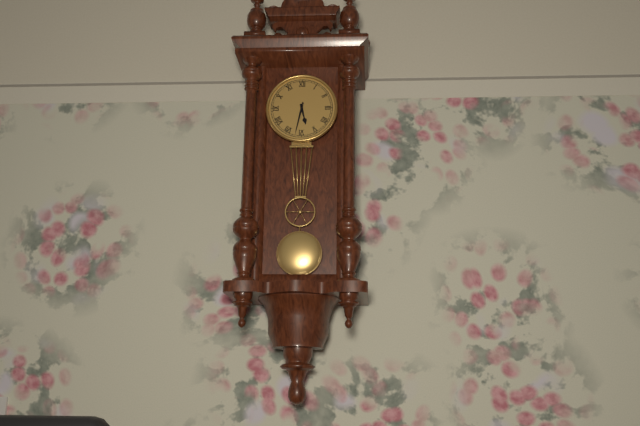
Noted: **5:32**
